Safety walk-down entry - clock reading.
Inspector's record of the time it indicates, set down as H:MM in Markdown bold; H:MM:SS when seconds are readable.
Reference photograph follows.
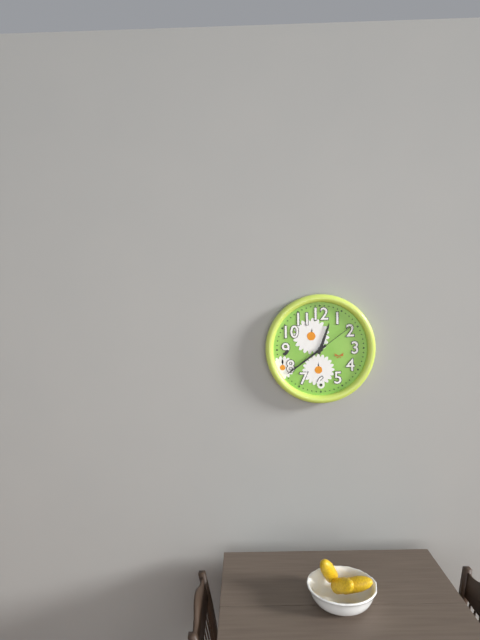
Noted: **12:39:09**
